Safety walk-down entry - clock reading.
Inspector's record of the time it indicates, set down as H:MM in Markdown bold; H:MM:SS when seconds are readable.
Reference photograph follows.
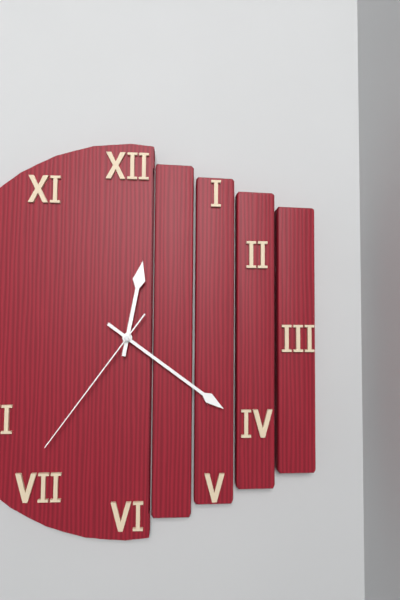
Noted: **12:21:36**
